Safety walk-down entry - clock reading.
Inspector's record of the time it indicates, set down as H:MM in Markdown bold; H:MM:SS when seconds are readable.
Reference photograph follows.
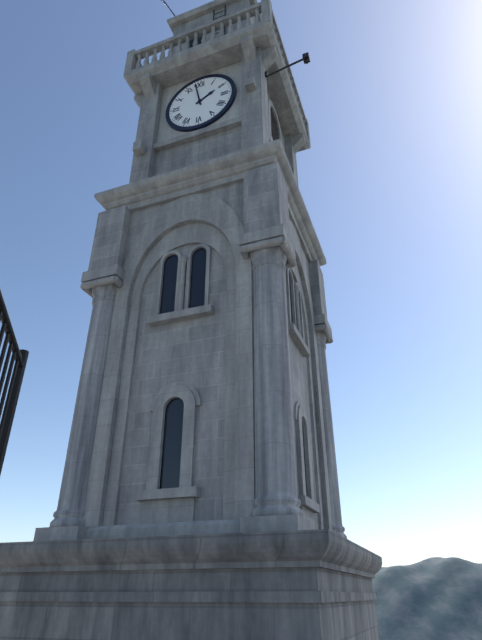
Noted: **1:58**
